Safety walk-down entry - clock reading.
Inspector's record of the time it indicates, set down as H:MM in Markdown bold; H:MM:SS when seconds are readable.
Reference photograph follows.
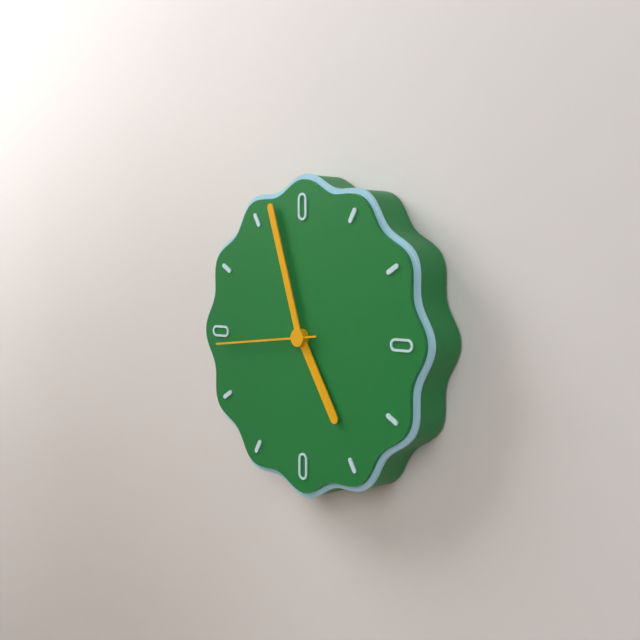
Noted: **4:57:44**
